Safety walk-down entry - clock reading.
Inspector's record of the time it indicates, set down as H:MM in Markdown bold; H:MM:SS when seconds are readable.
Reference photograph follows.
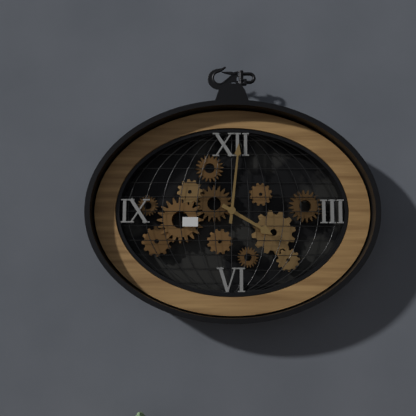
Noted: **4:01**
